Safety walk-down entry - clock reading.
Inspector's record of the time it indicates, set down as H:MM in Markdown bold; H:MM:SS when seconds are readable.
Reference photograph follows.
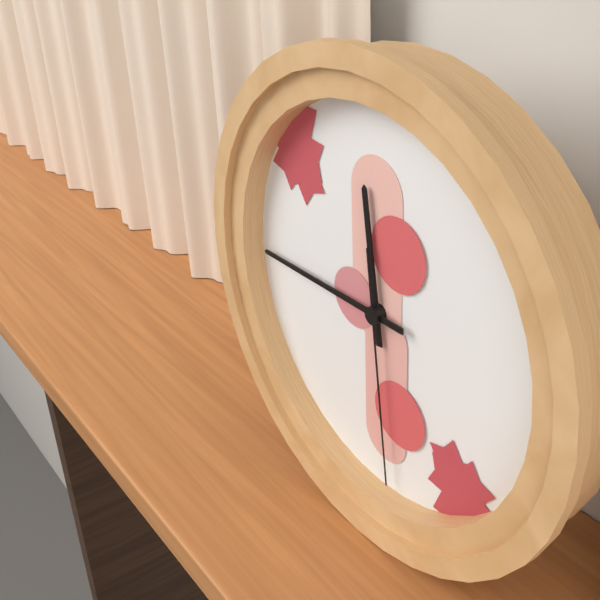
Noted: **11:45:29**
